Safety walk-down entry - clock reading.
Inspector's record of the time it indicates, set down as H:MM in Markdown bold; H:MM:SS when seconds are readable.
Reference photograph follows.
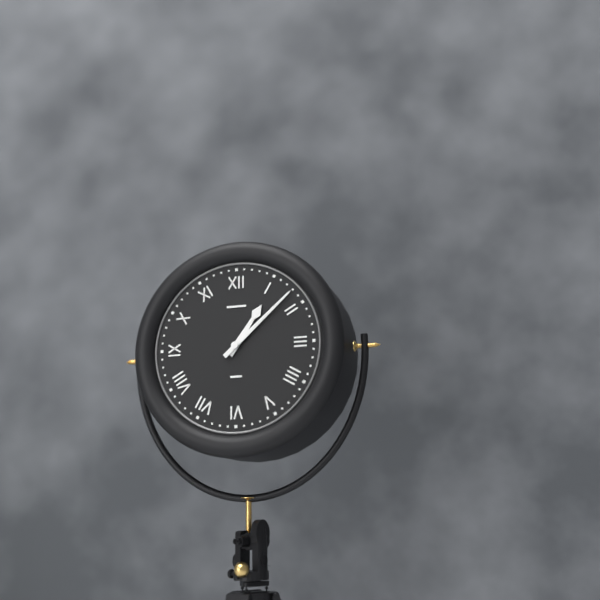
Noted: **1:08**
